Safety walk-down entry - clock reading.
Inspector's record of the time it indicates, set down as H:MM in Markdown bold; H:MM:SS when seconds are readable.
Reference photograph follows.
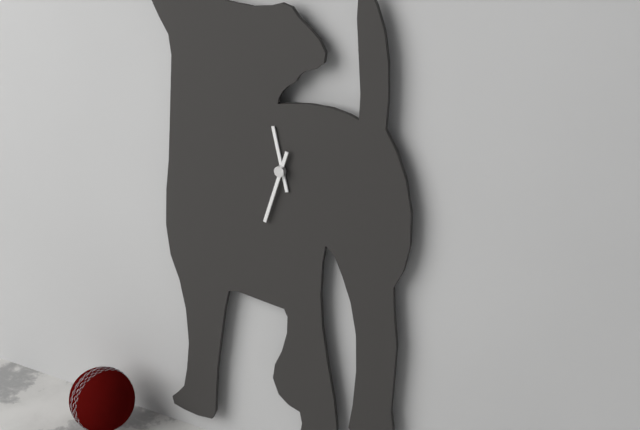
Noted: **11:33**
